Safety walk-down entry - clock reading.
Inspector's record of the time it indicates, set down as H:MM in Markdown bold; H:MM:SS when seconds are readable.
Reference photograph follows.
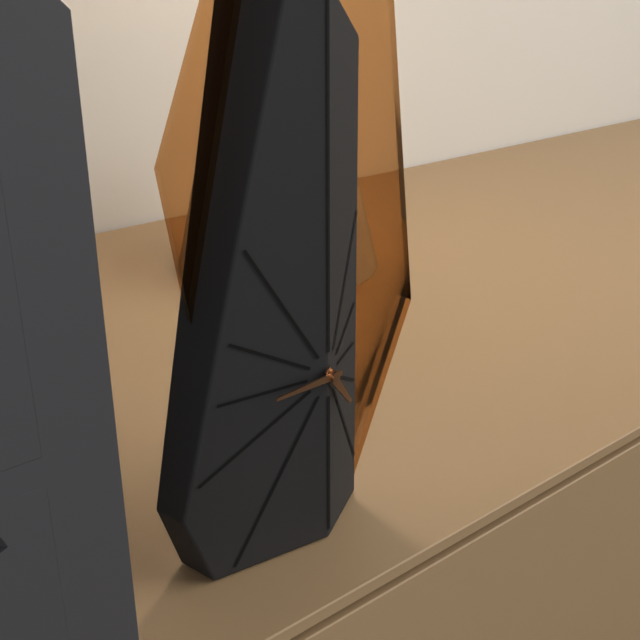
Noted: **4:46**
